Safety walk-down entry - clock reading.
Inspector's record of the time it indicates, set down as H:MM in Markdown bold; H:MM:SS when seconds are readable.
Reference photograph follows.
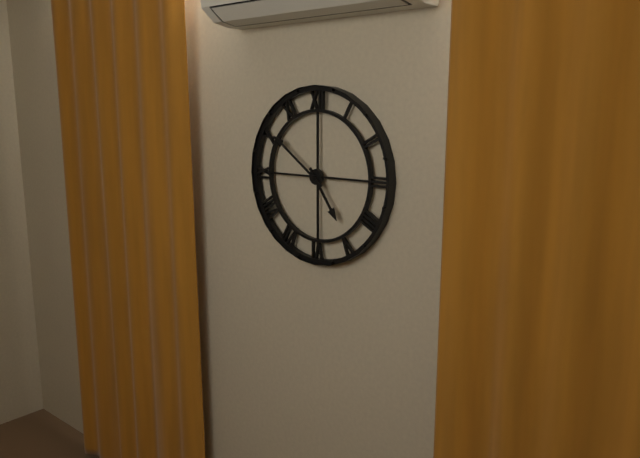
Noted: **4:51**
